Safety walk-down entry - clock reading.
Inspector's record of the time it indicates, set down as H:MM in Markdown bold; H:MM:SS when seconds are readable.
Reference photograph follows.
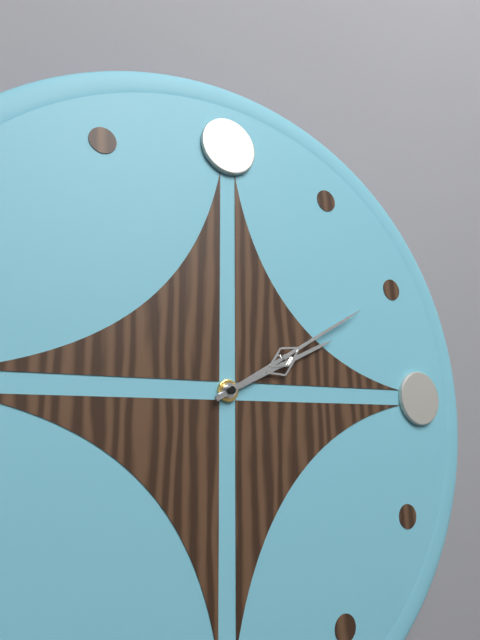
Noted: **2:10**
